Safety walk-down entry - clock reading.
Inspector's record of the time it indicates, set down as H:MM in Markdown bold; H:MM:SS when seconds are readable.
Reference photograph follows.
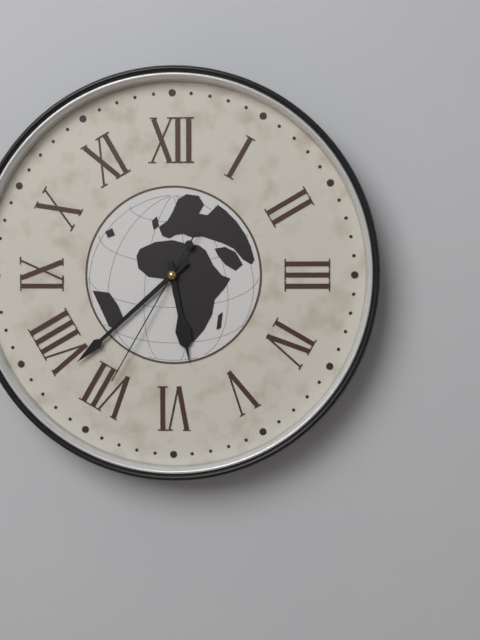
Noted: **5:38:35**
